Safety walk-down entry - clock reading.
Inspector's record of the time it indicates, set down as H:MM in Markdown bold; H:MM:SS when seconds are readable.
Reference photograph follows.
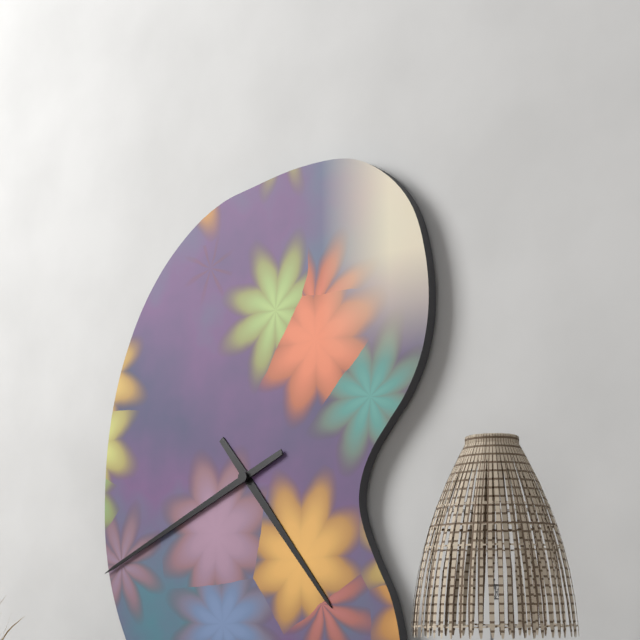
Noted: **4:41**
